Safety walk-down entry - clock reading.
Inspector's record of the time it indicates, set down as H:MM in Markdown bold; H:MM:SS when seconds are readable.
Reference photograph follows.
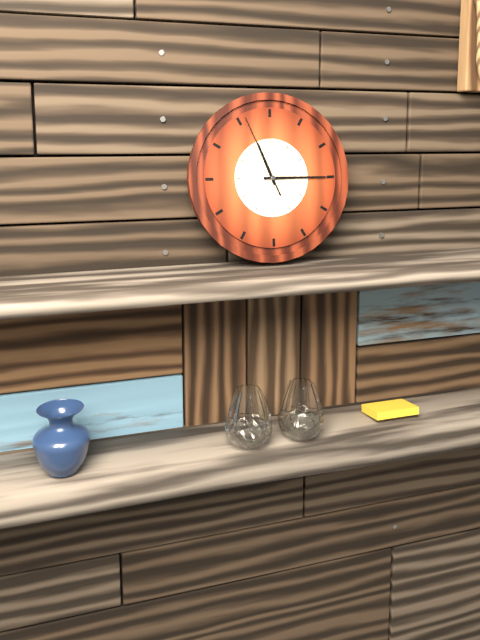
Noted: **11:15:56**
